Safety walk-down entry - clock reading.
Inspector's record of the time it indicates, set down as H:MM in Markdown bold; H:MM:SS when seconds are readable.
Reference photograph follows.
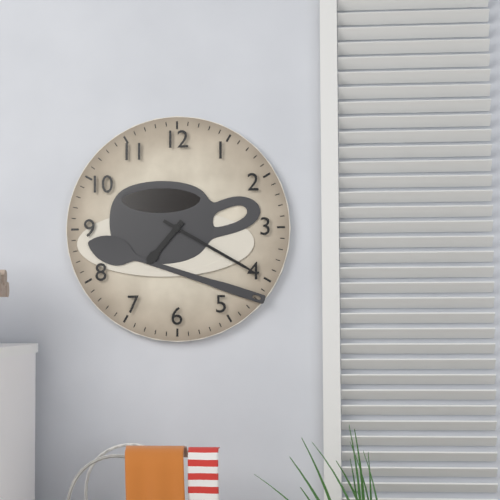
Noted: **7:20**
